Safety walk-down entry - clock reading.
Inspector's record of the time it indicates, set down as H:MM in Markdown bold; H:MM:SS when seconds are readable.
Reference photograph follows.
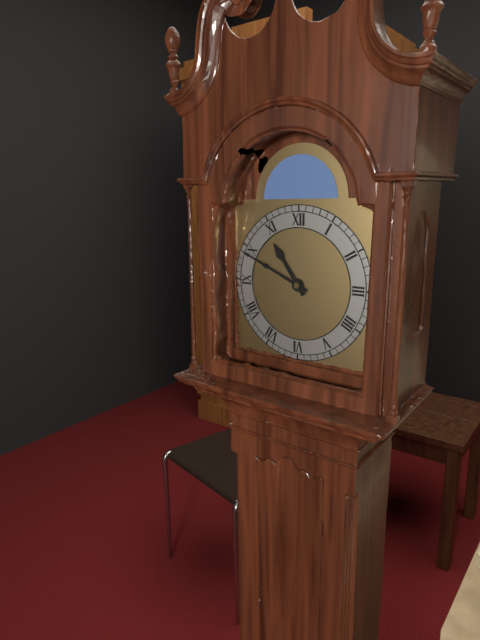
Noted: **10:49**
